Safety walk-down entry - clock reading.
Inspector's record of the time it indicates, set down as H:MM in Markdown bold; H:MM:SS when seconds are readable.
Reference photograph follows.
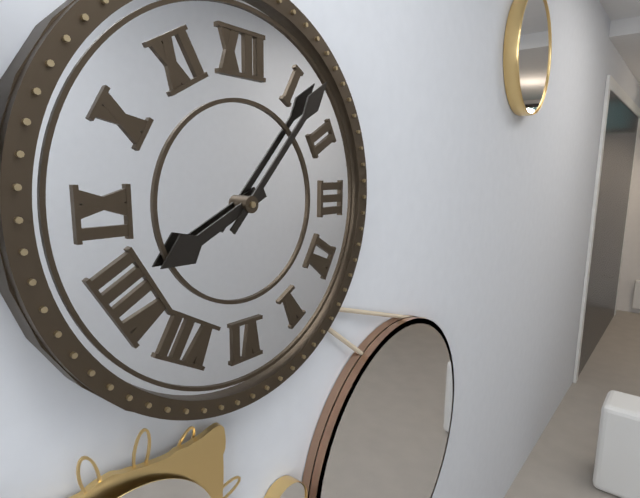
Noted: **8:07**
